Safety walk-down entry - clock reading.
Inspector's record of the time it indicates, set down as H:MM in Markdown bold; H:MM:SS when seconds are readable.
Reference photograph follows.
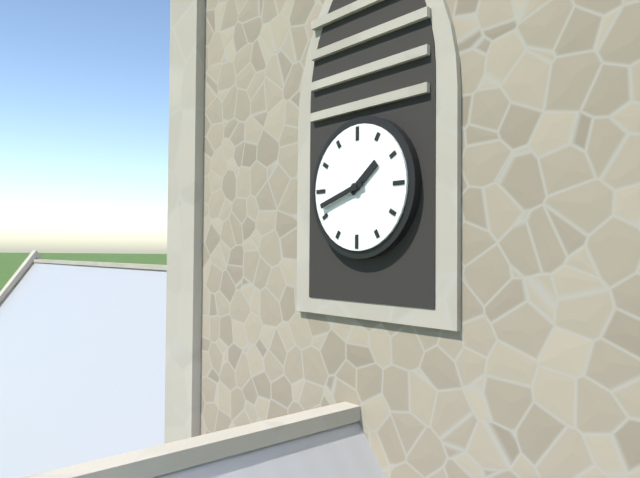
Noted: **1:42**
